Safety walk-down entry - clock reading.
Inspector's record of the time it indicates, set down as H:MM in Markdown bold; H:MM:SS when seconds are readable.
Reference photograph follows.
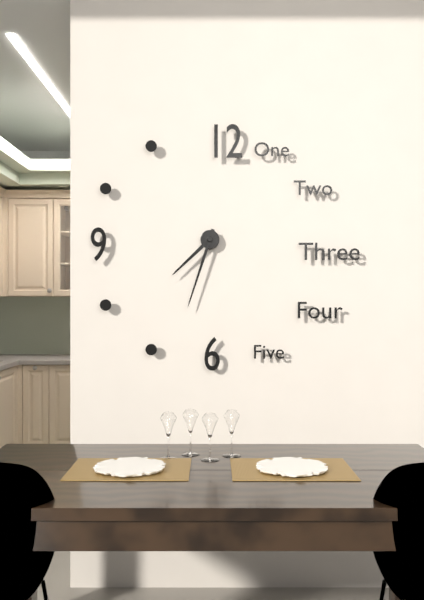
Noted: **7:33**
